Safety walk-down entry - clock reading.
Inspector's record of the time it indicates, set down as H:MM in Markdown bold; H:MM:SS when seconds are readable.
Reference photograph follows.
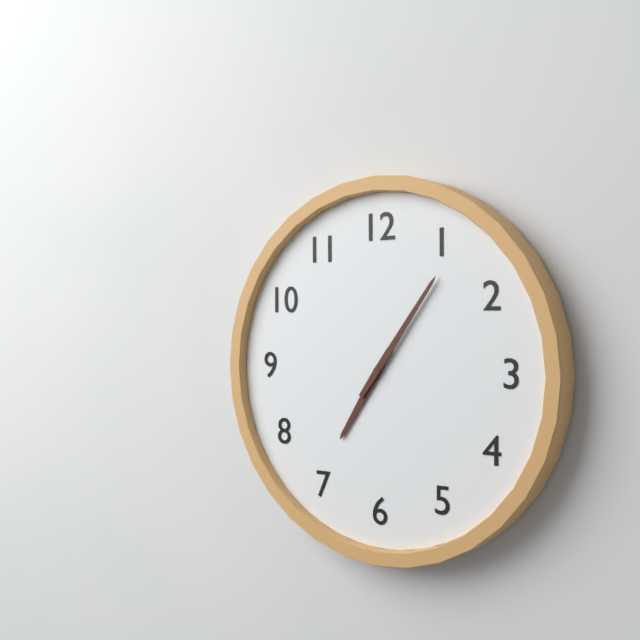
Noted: **7:06**
